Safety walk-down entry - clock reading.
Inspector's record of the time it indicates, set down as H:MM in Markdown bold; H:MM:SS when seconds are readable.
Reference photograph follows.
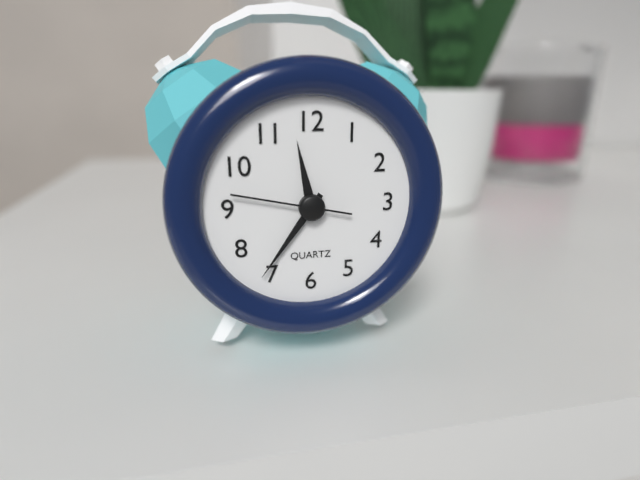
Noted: **11:36:47**
